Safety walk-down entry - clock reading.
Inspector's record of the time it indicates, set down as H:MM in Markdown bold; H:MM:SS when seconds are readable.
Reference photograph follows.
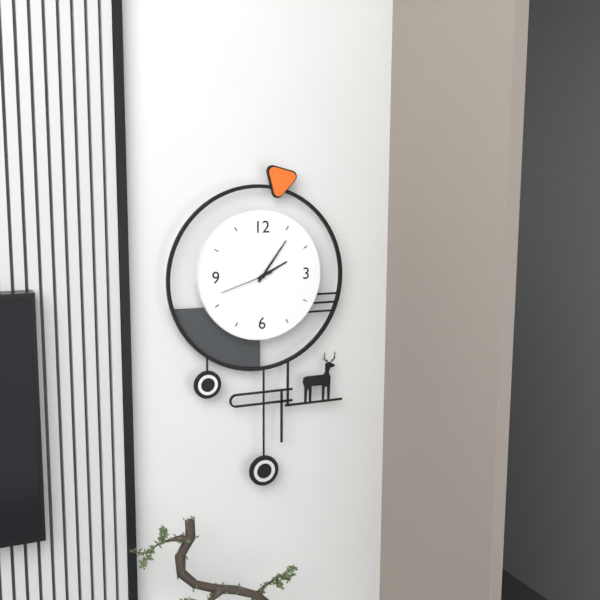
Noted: **2:06:42**
